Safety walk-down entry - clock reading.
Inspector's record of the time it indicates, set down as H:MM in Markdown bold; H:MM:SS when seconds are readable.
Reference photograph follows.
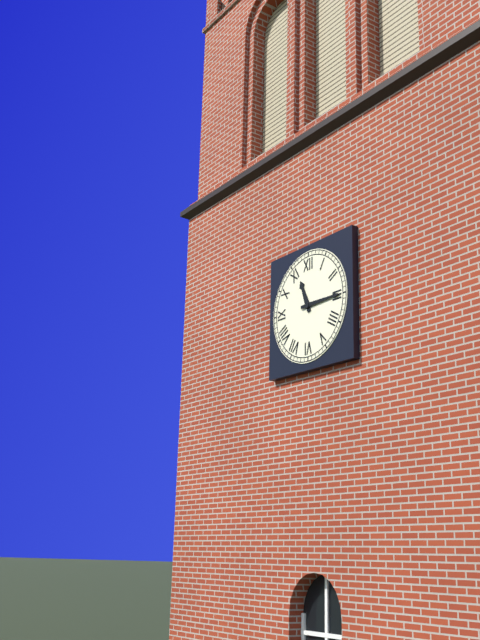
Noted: **11:15**
